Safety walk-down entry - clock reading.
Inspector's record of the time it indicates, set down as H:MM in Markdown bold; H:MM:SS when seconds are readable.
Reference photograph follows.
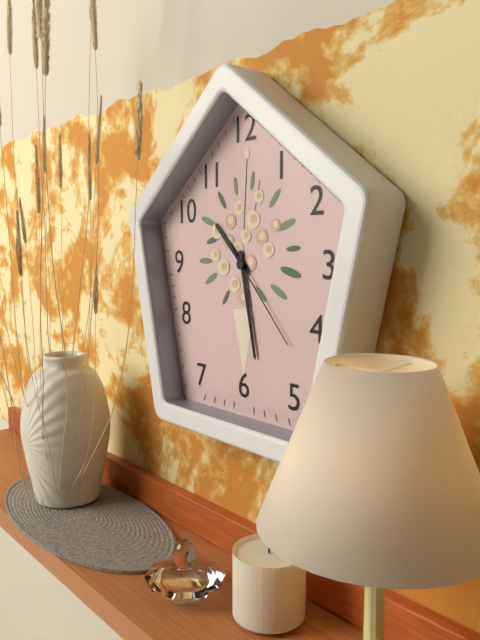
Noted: **10:28:23**
